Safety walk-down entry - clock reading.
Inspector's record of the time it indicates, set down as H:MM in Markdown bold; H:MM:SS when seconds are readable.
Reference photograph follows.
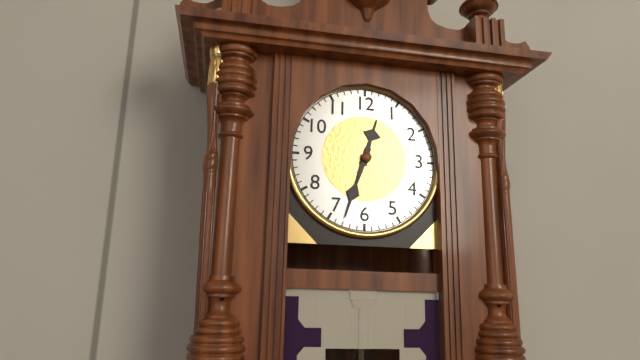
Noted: **12:33**
